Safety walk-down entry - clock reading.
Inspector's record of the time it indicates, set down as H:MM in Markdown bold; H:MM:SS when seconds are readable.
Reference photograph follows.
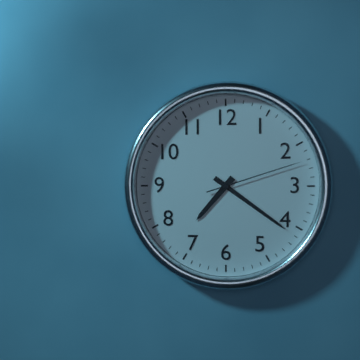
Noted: **7:21:12**
